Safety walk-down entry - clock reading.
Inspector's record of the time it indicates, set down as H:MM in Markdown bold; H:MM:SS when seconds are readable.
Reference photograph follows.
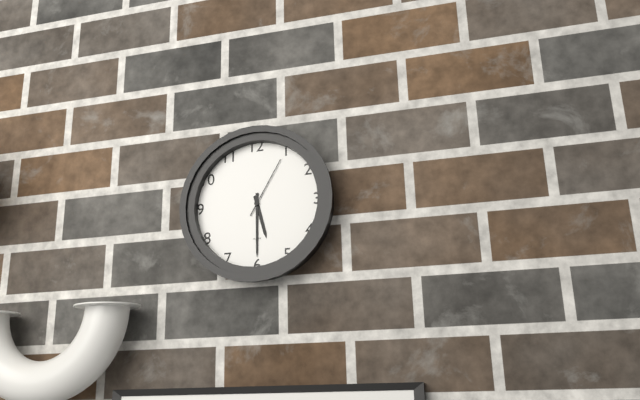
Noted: **5:30:05**
